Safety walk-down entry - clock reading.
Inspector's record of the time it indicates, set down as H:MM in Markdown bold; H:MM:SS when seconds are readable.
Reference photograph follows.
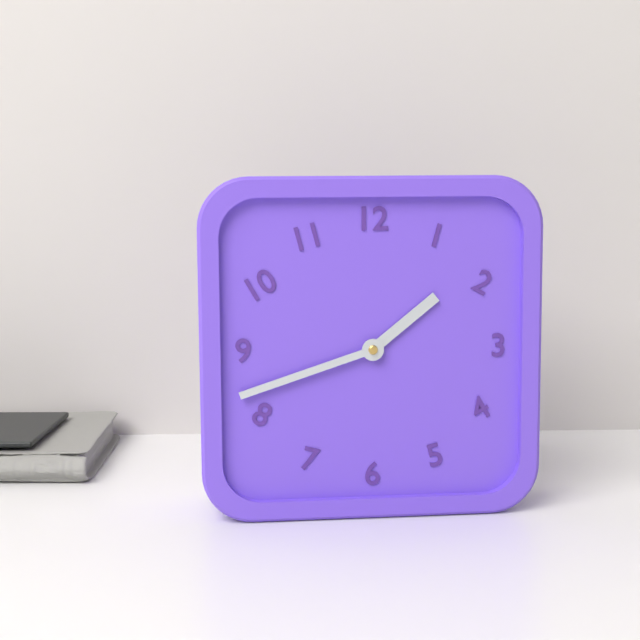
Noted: **1:42**
